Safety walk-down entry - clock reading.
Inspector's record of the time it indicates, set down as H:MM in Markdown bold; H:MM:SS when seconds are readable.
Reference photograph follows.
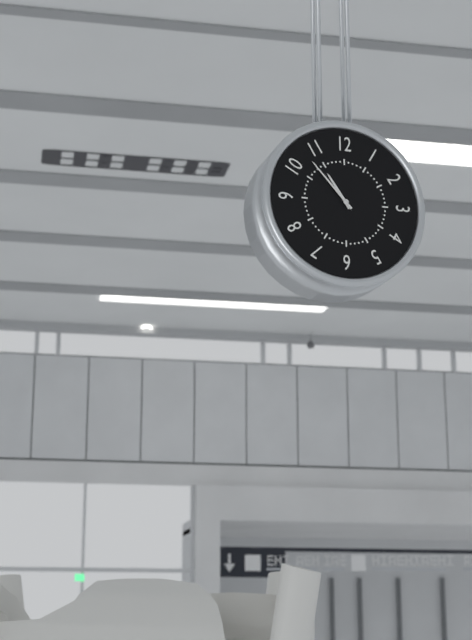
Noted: **10:53**
